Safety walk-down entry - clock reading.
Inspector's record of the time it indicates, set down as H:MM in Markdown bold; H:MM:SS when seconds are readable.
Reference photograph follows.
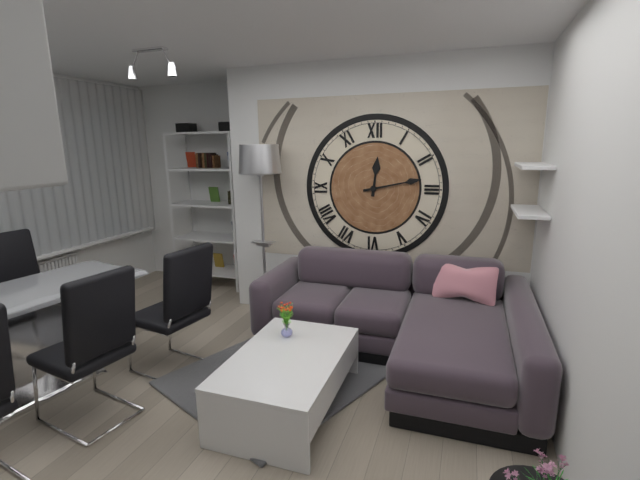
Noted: **12:13**
